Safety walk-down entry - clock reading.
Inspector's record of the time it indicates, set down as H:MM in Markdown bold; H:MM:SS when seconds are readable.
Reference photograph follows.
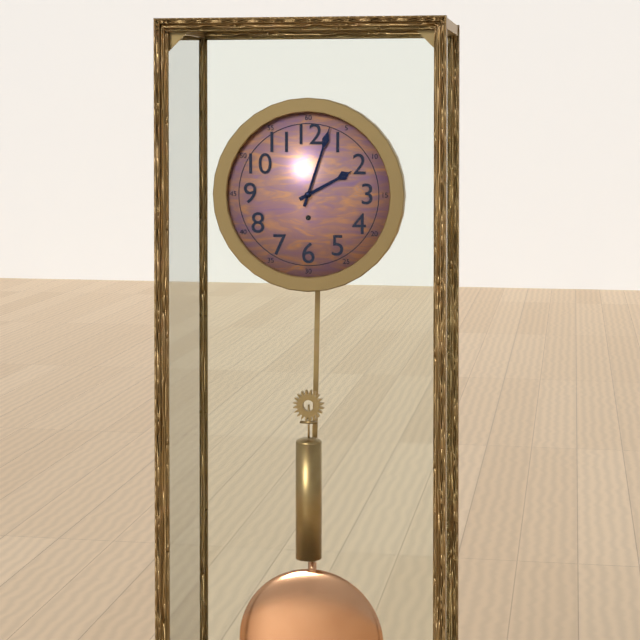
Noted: **2:03**
